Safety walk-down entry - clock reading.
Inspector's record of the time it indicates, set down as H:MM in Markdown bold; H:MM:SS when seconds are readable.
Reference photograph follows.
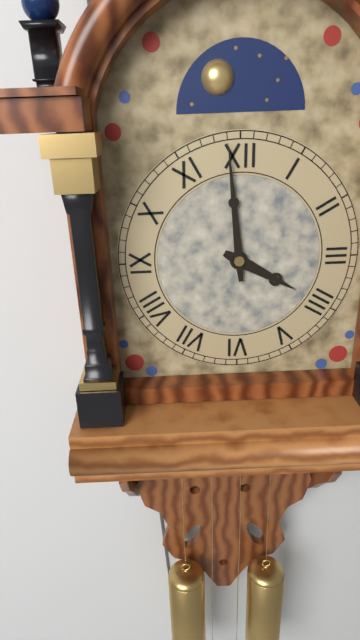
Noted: **3:59**
